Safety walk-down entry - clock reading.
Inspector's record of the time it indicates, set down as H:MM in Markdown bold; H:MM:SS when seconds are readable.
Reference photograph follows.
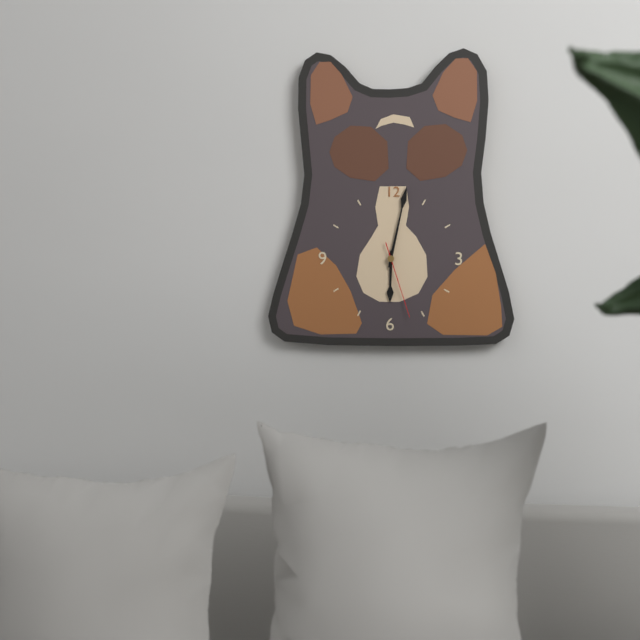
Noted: **6:02:27**
